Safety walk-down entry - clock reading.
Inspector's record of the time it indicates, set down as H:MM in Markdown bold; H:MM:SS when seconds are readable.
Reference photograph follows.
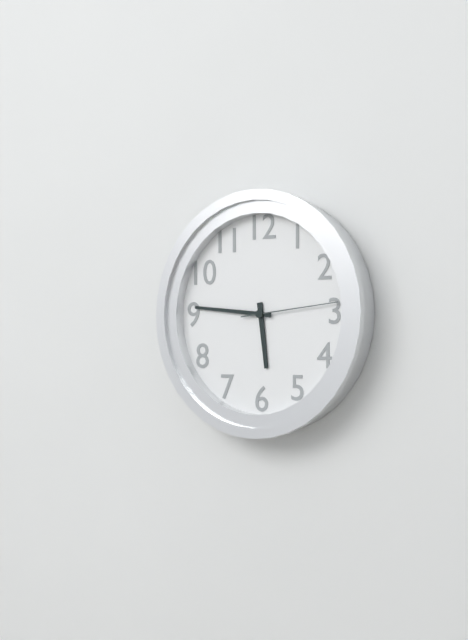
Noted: **5:46:14**
